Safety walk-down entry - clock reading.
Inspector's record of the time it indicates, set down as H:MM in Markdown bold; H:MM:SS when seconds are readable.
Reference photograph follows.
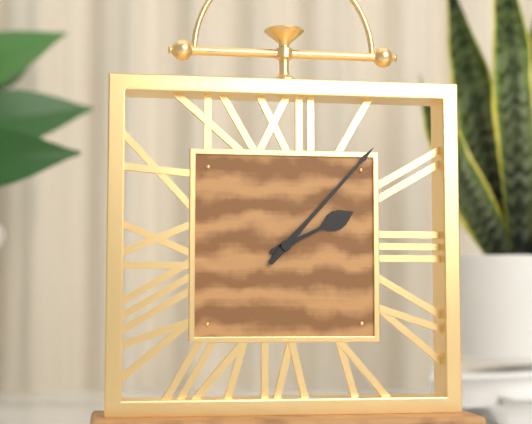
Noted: **2:07**
